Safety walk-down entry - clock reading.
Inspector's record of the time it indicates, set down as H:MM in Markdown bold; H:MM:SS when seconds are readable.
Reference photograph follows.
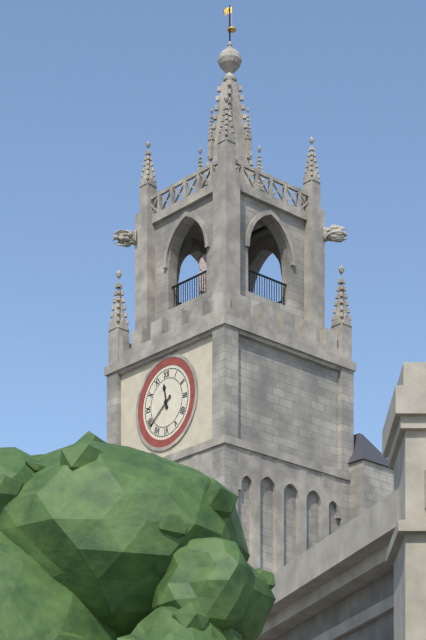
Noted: **11:39**
